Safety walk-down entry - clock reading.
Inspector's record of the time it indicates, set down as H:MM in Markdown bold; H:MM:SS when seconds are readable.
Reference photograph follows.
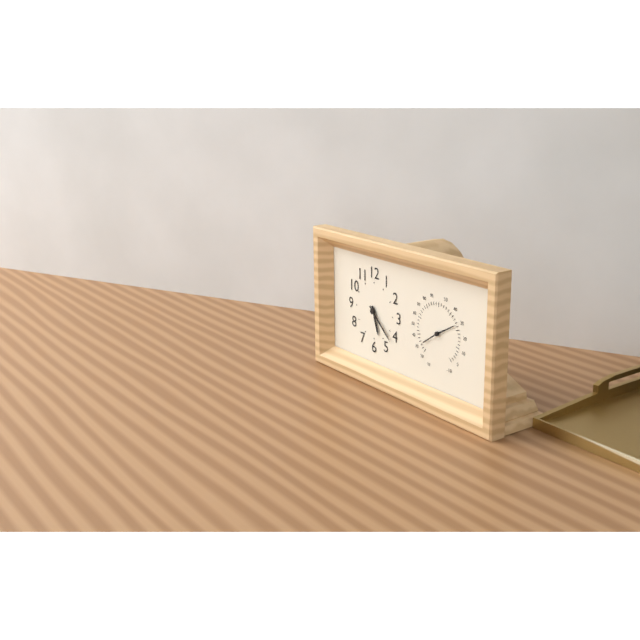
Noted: **5:22**
